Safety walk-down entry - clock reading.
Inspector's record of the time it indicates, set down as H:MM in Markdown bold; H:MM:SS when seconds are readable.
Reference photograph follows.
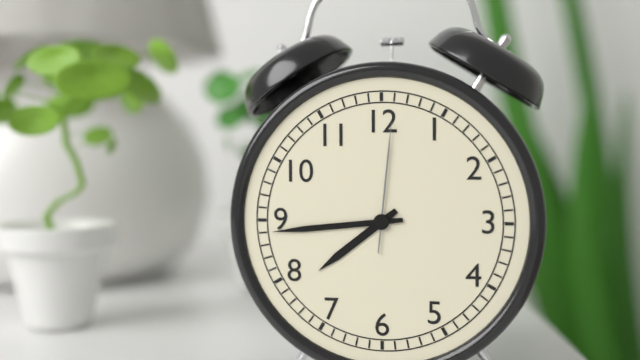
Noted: **7:44:01**
